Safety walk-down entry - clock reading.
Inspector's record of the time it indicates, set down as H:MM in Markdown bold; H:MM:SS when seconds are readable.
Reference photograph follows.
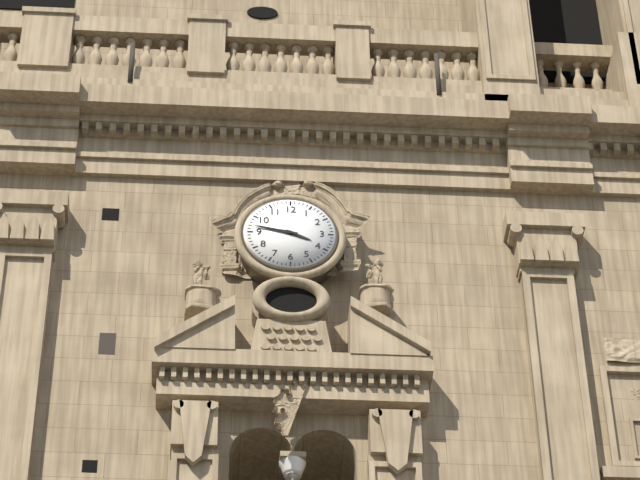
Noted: **3:47**
